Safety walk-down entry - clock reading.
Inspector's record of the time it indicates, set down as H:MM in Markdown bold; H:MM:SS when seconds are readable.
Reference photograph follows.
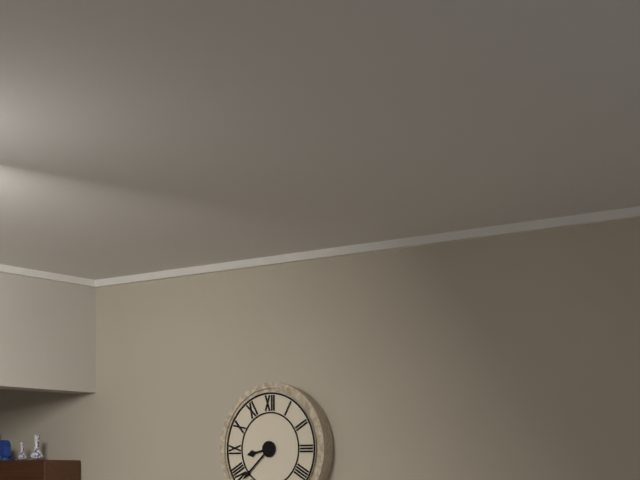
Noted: **8:38**
